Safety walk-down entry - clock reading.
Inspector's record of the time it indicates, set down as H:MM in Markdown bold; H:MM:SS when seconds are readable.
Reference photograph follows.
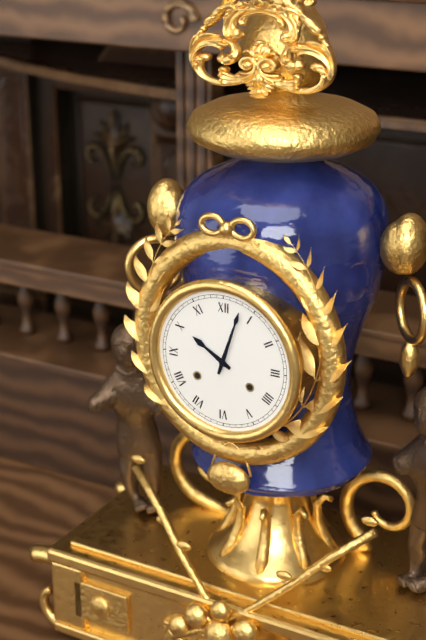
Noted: **10:03**
